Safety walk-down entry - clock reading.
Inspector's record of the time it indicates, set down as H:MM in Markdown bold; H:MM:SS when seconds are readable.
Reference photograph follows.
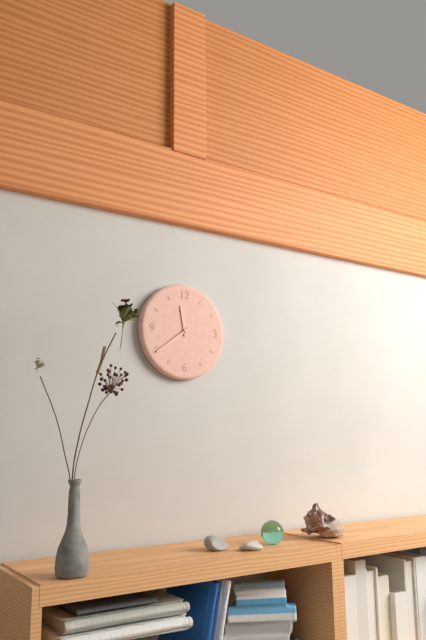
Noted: **11:39**
